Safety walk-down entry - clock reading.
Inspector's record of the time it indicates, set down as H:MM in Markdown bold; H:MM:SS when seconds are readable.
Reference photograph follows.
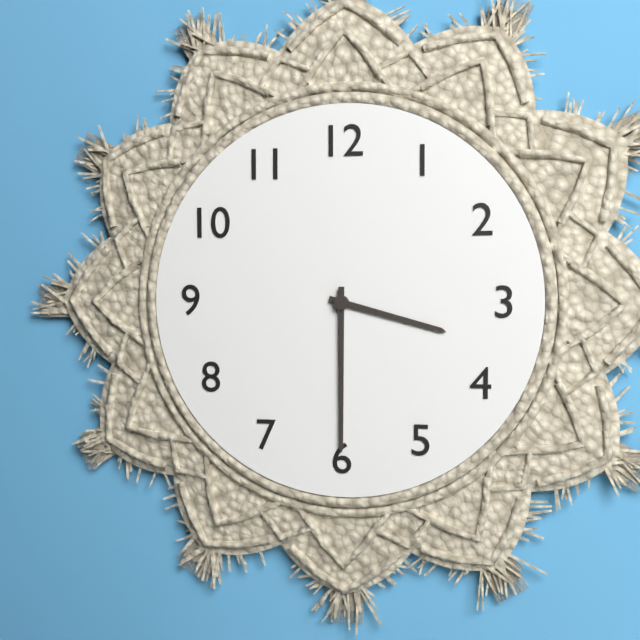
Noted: **3:30**
